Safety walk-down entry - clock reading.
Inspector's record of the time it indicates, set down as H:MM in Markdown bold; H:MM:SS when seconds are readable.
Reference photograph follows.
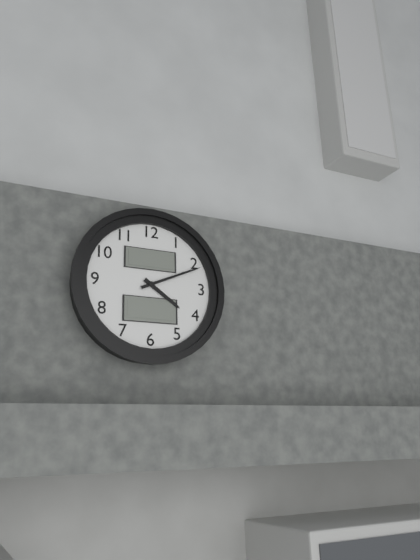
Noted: **4:11**
